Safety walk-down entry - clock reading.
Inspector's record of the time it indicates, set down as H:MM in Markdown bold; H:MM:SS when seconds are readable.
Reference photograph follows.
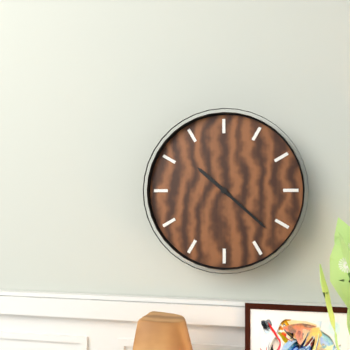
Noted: **10:22**
